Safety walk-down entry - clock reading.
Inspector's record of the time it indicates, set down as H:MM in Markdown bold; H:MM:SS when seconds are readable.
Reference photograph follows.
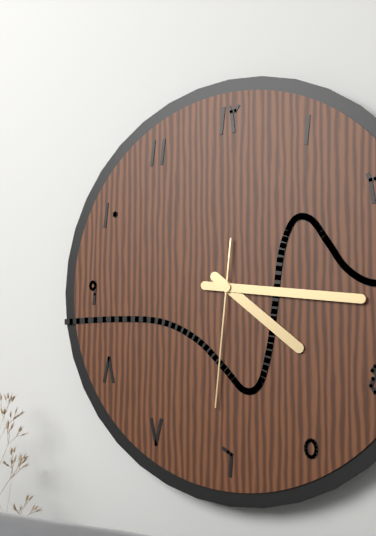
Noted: **4:16:31**
